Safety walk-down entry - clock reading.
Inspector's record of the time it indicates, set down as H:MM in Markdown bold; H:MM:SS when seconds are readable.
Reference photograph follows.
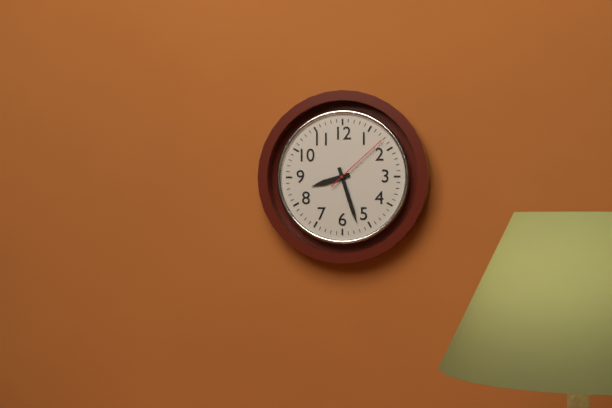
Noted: **8:27:08**
